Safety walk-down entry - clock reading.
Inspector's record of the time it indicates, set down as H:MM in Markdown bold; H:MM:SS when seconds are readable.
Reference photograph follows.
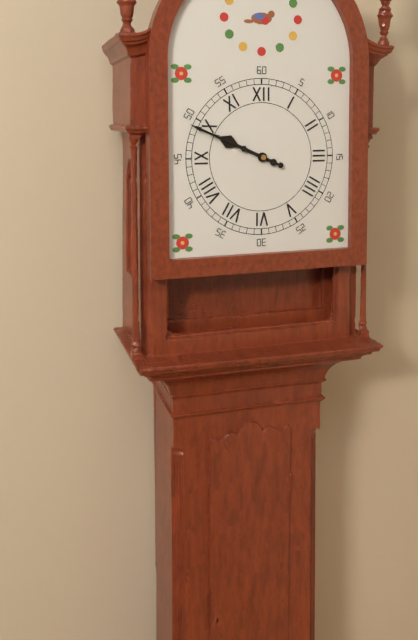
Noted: **9:49**
